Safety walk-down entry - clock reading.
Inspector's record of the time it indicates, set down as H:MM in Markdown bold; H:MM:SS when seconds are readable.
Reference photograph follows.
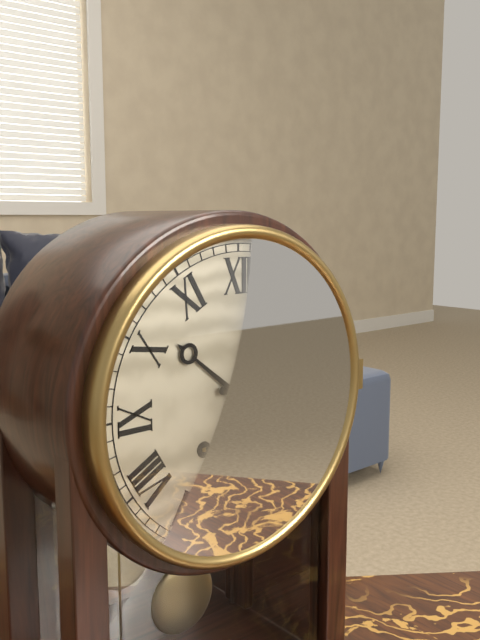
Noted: **10:19**
